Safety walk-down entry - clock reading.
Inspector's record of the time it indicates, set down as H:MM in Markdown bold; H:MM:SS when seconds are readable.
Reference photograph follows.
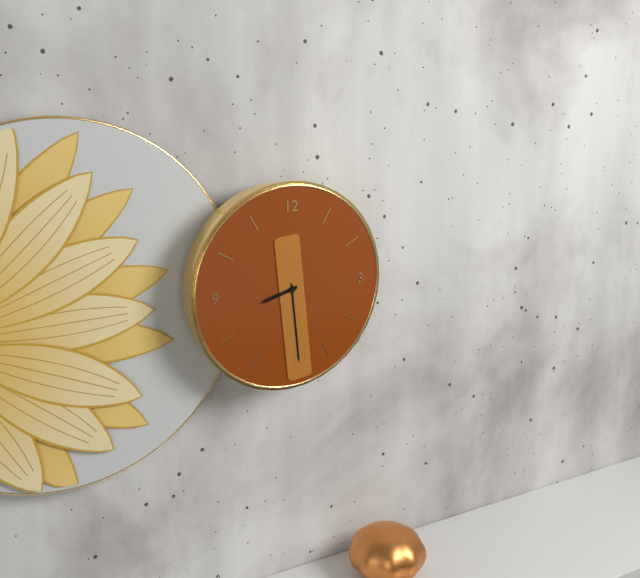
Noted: **8:29**
